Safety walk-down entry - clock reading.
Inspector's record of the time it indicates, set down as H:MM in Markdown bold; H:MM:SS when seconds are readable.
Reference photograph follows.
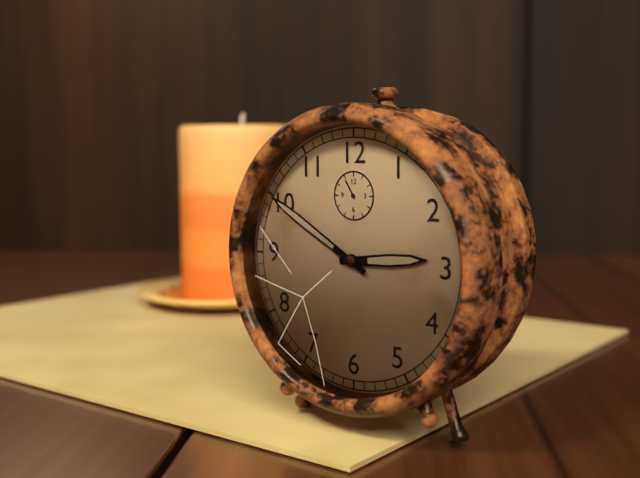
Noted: **2:50**
